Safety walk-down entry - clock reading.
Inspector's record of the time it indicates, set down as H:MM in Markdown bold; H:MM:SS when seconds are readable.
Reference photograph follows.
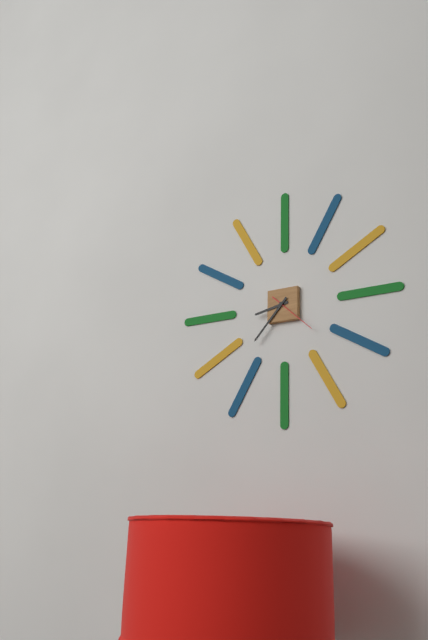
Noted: **8:37**
